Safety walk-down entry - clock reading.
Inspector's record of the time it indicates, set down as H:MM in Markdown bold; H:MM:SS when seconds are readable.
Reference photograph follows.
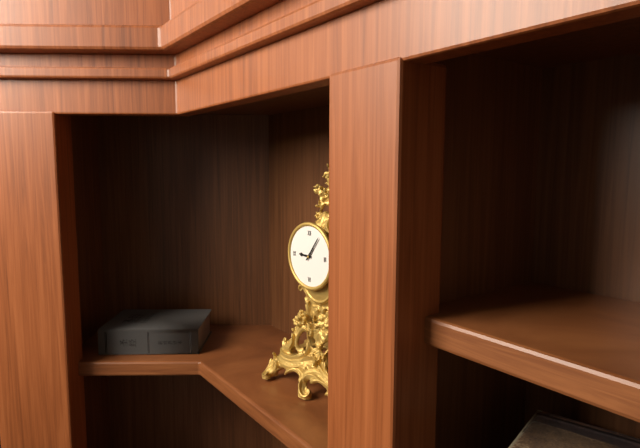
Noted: **9:06**
